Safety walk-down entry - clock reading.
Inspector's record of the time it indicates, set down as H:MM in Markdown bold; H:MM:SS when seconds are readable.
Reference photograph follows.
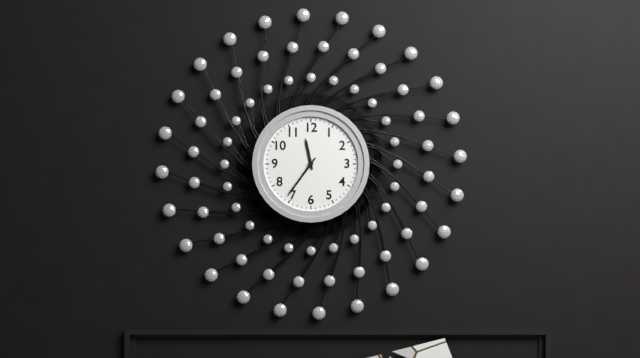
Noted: **11:36**
